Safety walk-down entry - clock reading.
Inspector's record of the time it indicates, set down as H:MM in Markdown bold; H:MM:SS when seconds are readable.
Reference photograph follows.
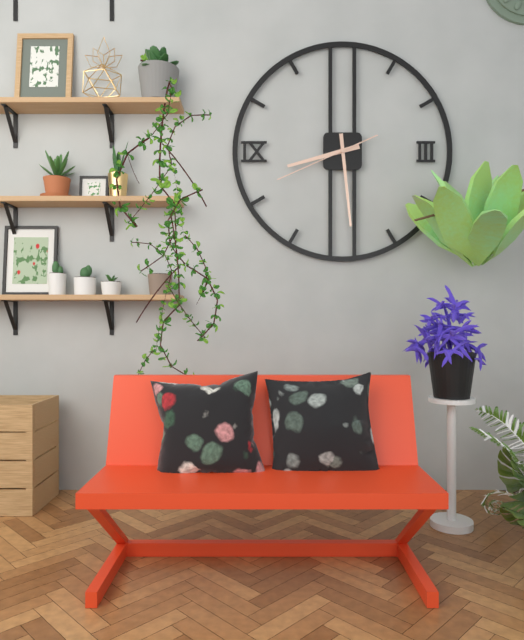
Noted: **8:29:41**
